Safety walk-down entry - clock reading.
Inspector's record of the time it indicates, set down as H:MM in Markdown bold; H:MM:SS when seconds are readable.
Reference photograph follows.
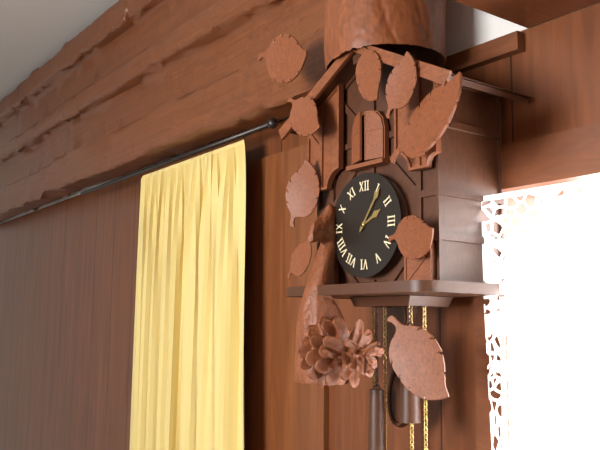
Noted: **2:06**
